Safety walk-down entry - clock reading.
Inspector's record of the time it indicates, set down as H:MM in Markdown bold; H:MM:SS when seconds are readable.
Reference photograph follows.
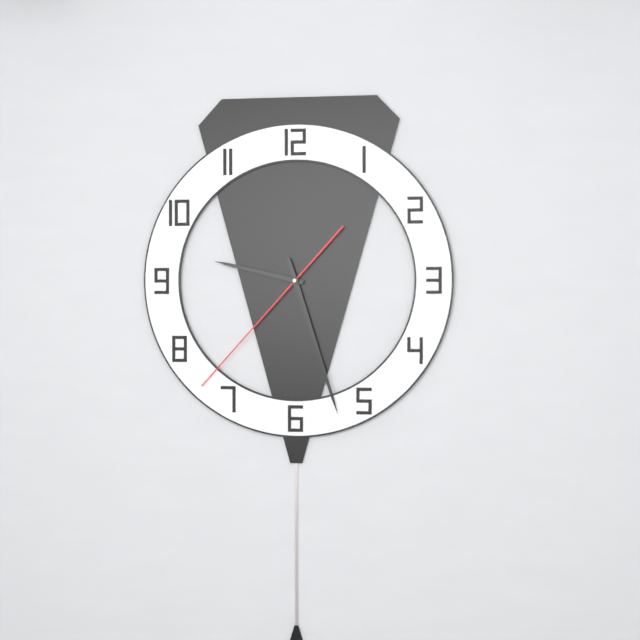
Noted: **9:27:37**
